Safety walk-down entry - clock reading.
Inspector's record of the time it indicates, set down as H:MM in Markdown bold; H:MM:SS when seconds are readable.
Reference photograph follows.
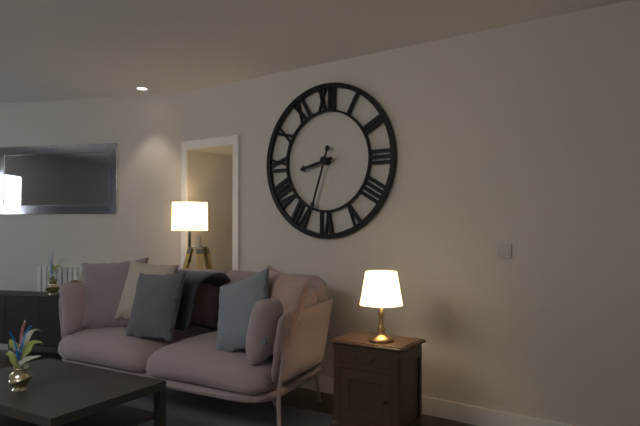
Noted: **8:33**
